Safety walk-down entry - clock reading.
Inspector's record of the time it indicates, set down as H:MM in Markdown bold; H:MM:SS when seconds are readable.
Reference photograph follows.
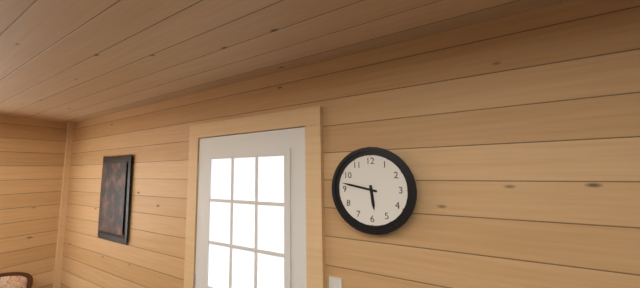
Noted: **5:47**
